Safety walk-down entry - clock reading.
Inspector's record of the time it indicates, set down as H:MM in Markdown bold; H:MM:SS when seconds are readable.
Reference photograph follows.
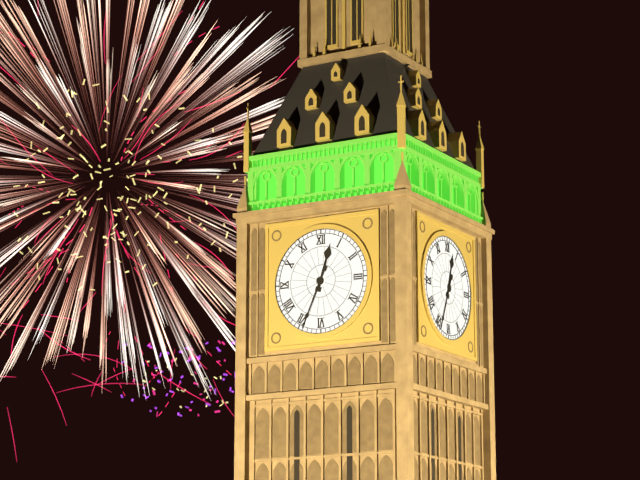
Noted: **12:34**
